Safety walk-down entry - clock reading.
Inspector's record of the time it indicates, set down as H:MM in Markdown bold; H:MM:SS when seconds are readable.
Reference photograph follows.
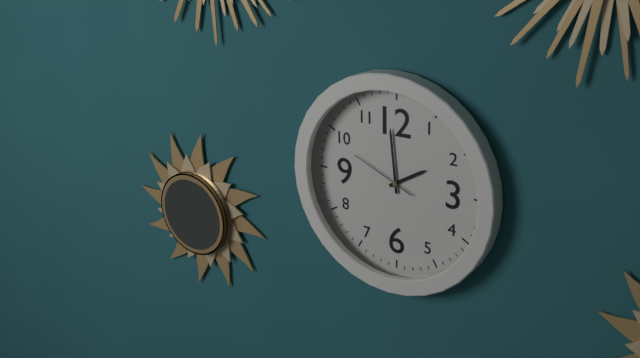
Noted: **1:59:49**
